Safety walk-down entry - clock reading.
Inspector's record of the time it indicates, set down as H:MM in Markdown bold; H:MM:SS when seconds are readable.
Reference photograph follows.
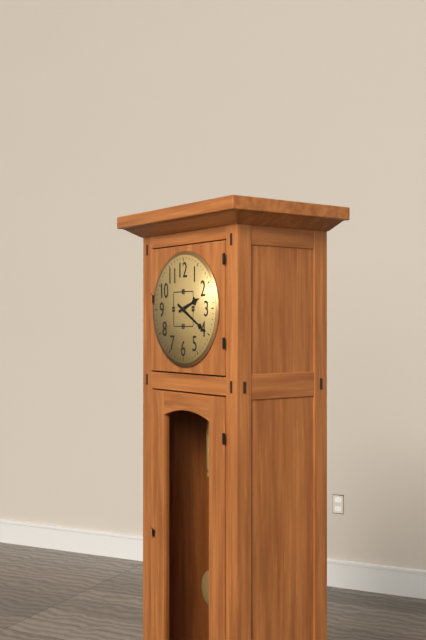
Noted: **2:20**
